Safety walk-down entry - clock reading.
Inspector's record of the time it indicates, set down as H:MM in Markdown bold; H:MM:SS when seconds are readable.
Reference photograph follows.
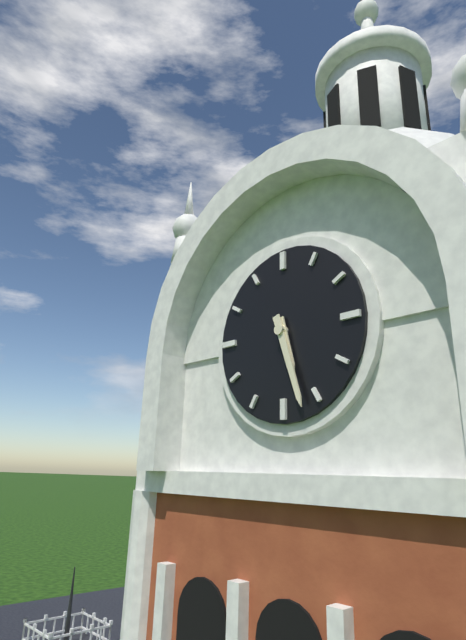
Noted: **5:27**
